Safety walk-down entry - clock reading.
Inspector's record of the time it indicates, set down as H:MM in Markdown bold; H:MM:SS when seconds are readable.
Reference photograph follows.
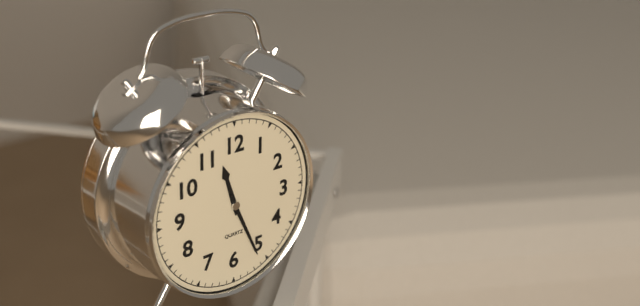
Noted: **11:26**
